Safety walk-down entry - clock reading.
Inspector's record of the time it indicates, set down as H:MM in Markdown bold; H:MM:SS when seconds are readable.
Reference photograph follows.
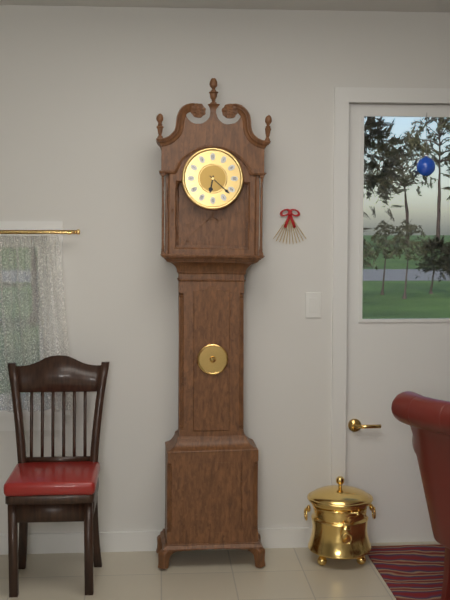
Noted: **6:22**
